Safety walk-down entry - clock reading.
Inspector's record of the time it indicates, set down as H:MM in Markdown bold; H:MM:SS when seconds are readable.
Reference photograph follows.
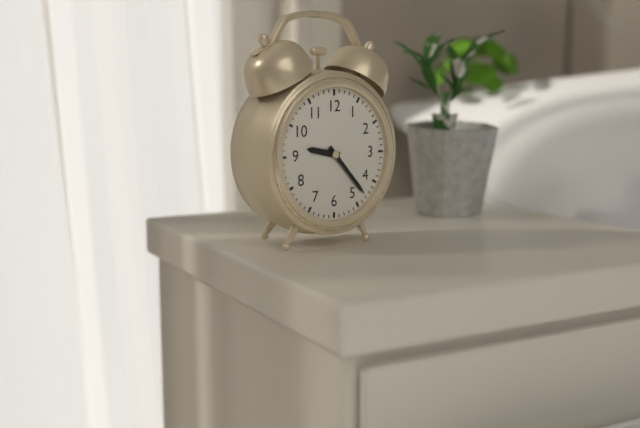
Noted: **9:23**
